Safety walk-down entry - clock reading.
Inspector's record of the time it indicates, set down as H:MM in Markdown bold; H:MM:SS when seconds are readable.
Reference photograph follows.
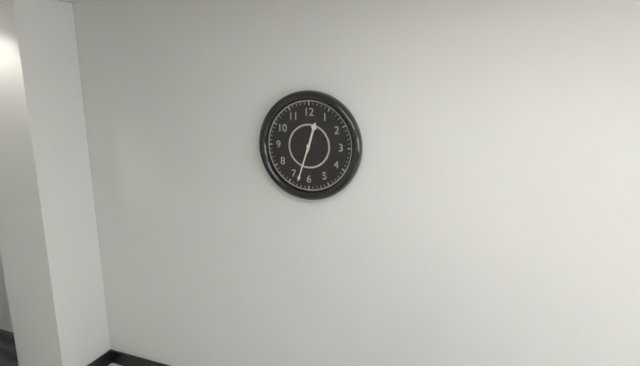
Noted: **12:33**
